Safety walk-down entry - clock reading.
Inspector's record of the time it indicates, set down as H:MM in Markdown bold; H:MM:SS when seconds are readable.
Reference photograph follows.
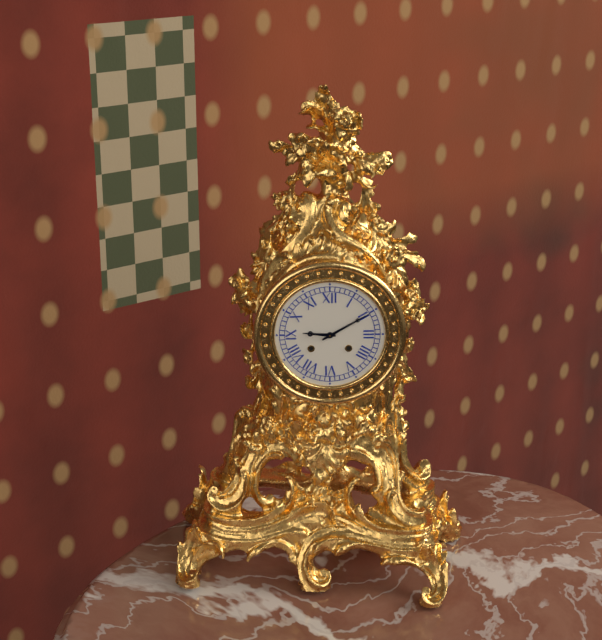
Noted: **9:10**
